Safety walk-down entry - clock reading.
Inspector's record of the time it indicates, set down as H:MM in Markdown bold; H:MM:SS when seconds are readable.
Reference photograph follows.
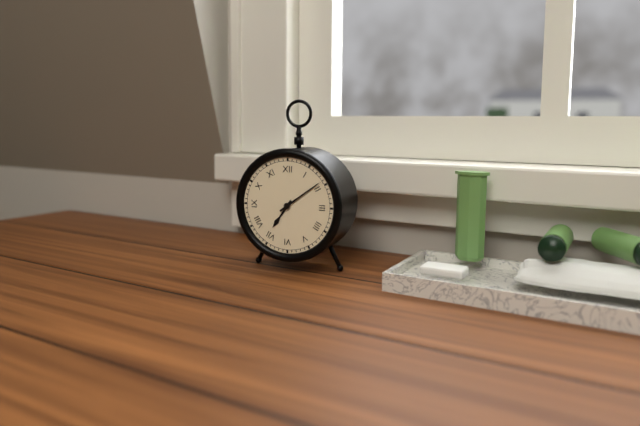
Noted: **7:09**
